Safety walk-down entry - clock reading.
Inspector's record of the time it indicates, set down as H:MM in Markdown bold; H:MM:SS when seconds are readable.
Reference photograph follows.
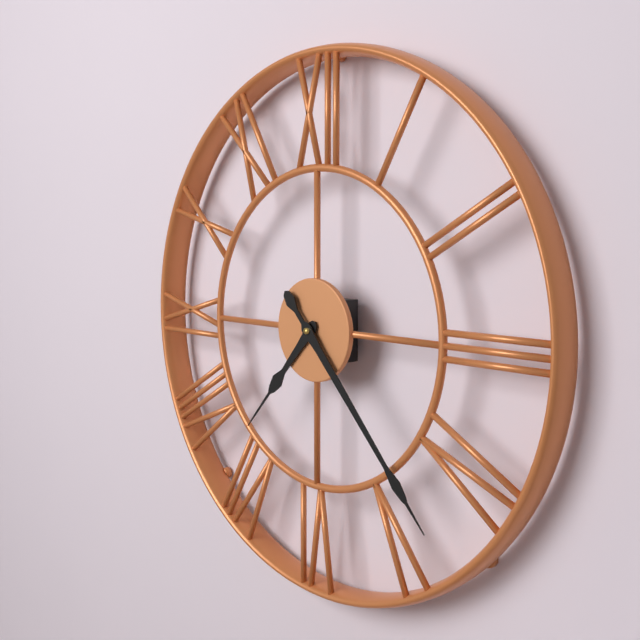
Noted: **7:23**
